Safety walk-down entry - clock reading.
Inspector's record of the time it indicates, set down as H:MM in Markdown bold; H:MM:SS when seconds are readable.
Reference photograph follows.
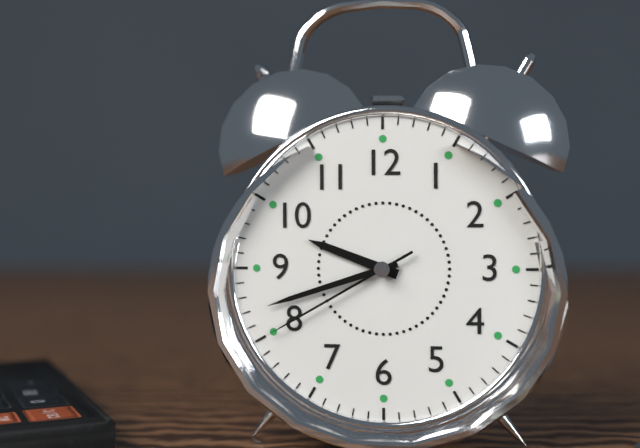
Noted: **9:42:40**
